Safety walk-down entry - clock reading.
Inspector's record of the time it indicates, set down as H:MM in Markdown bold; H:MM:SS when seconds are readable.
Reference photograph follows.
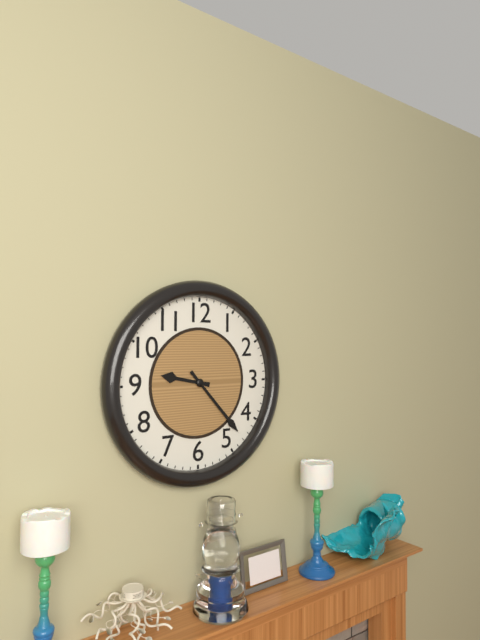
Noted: **9:23**
